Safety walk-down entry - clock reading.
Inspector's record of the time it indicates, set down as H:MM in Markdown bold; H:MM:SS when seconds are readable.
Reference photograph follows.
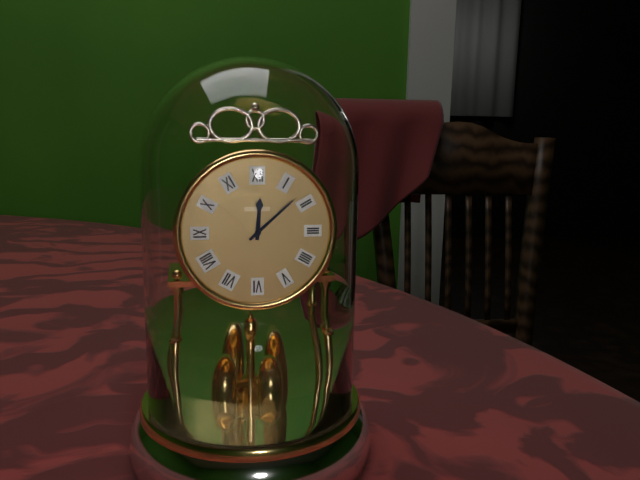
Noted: **12:08**
